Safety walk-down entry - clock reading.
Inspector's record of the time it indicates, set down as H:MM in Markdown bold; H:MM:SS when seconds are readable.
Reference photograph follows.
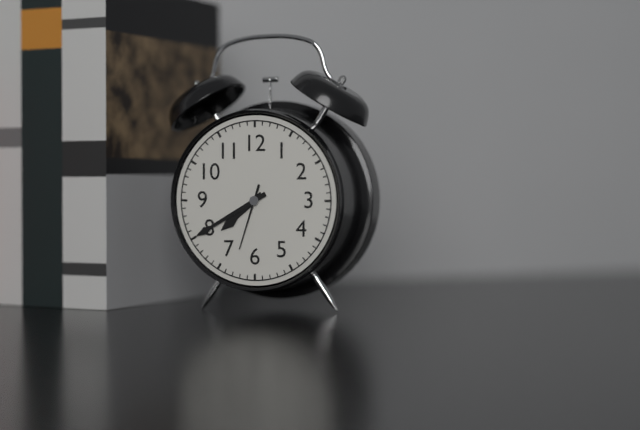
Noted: **7:40:33**
